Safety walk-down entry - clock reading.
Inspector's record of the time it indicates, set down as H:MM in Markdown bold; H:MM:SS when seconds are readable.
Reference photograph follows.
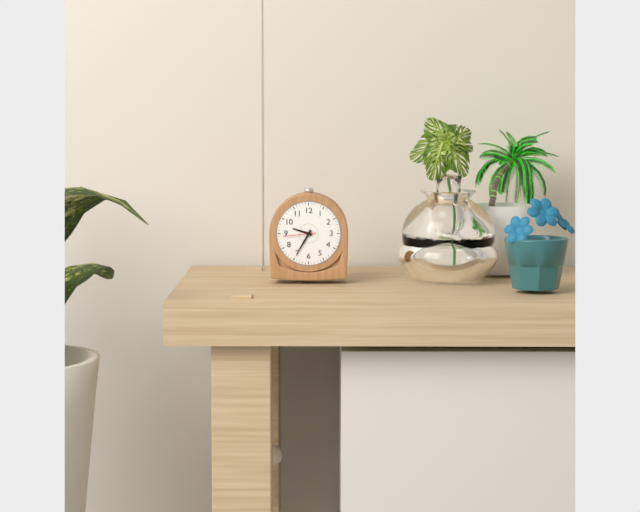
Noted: **9:35**
